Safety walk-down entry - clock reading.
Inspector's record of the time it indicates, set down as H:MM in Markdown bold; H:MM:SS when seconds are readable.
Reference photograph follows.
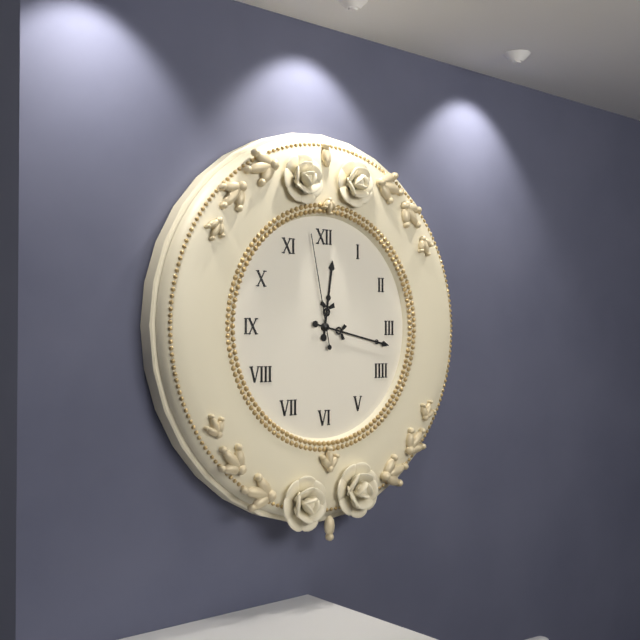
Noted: **12:17:58**
